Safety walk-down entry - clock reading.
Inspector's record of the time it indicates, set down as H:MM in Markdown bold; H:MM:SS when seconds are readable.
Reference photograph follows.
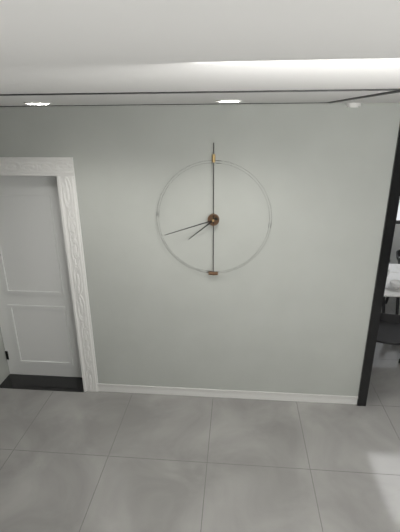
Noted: **7:42**
